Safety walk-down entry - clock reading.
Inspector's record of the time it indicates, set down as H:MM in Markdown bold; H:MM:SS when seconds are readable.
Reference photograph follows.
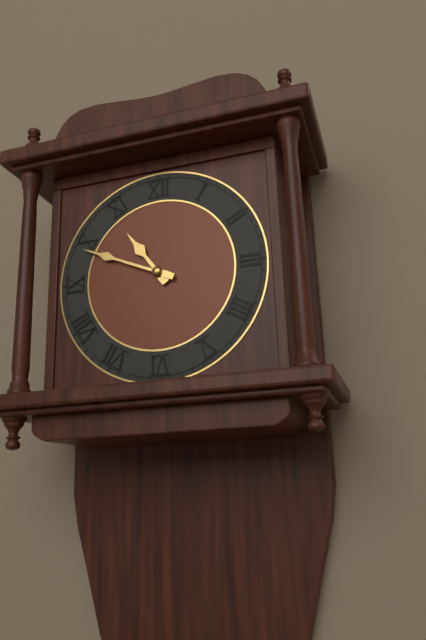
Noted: **10:49**
